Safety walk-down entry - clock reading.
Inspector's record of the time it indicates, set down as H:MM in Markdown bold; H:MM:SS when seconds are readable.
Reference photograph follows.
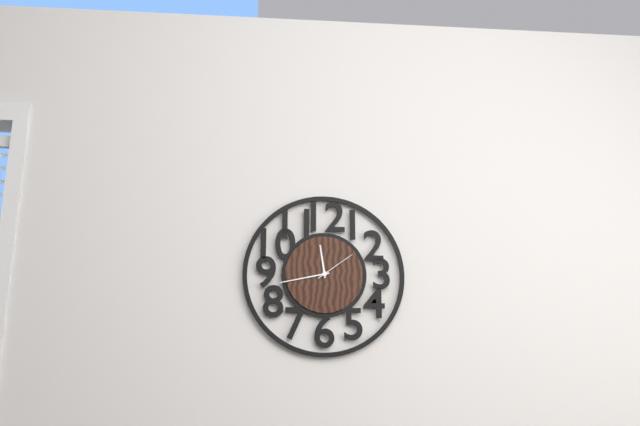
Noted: **11:43**
